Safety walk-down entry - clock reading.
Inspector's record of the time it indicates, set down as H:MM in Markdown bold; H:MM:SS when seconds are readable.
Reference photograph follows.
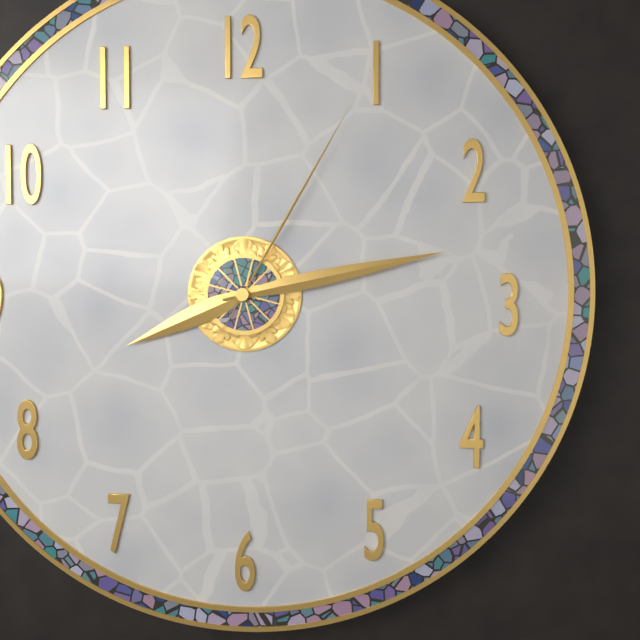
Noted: **8:13:05**
